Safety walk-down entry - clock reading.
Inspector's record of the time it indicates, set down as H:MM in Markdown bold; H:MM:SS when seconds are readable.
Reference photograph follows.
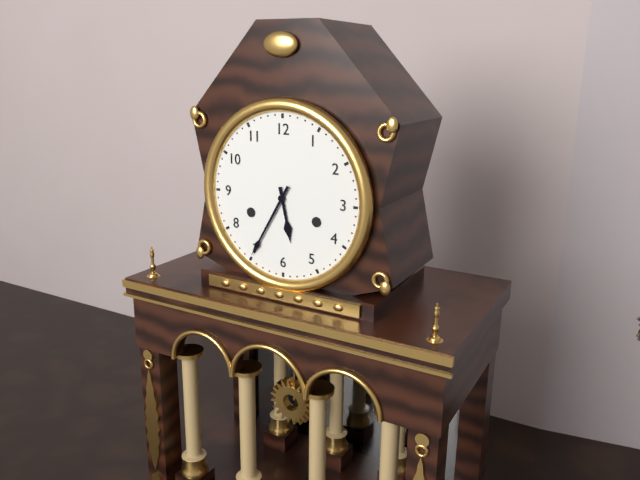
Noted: **5:35**
